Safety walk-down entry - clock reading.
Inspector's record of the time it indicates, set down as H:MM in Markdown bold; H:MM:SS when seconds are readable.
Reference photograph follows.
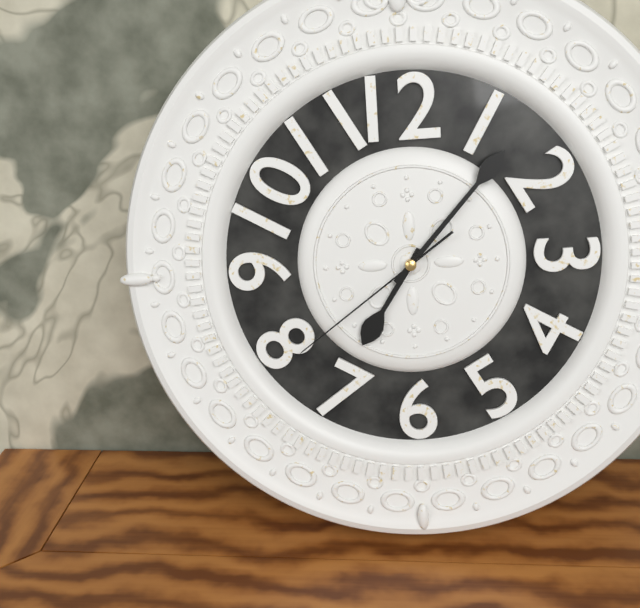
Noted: **7:07:39**
